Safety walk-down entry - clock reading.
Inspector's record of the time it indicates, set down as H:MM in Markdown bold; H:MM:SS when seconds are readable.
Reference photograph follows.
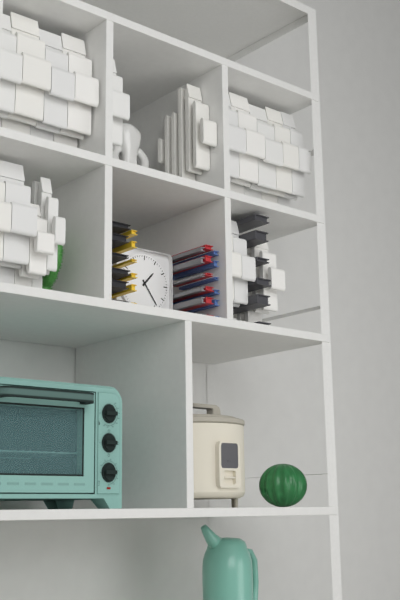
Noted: **1:24**
